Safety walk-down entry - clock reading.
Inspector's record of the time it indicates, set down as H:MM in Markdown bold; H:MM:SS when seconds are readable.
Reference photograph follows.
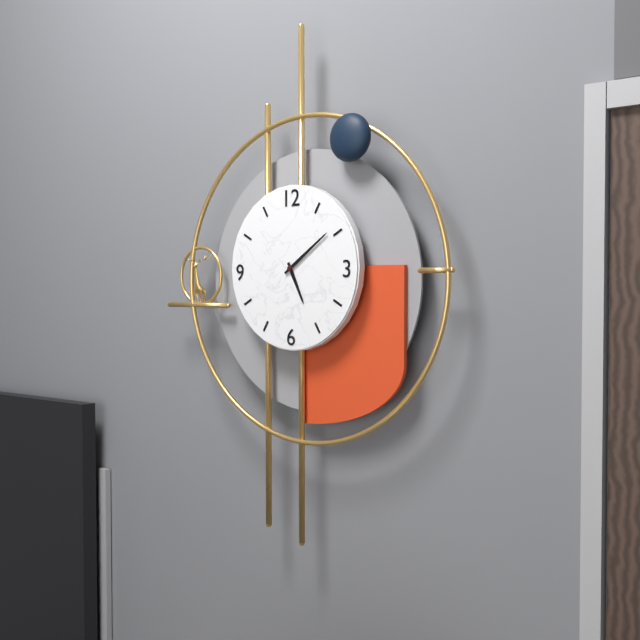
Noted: **5:09**
